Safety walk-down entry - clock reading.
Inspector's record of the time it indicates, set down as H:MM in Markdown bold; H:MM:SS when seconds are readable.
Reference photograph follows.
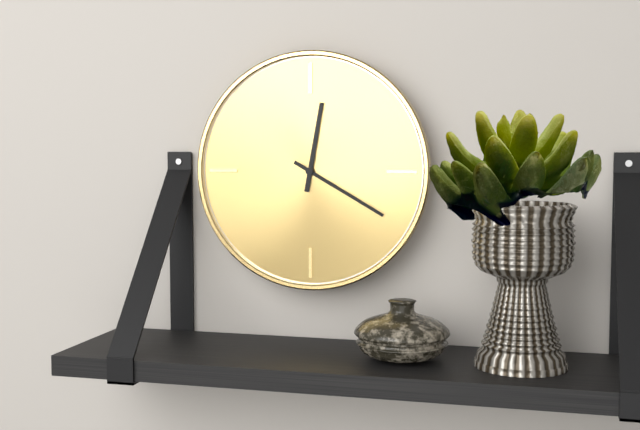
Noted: **12:20**
